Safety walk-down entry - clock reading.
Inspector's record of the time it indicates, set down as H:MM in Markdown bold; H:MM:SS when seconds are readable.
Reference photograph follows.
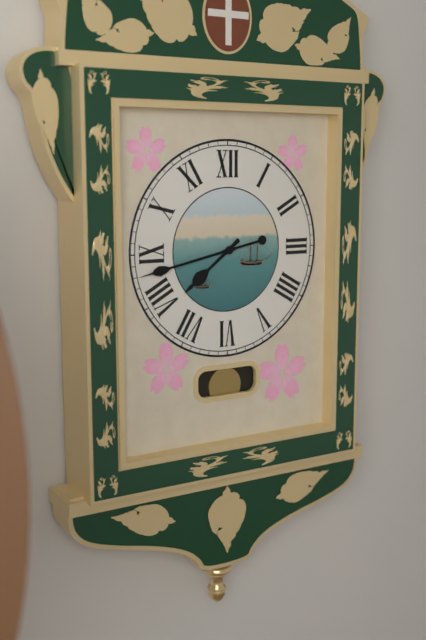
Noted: **7:43**
